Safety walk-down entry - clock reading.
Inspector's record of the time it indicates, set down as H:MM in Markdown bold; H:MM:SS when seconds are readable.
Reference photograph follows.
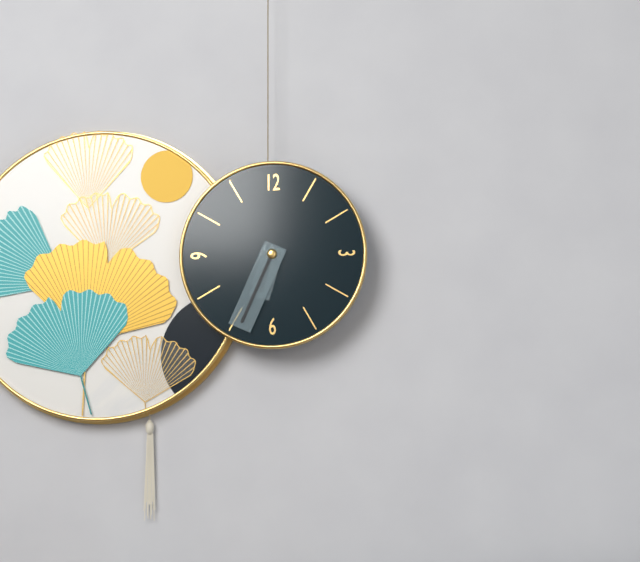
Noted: **6:34**
